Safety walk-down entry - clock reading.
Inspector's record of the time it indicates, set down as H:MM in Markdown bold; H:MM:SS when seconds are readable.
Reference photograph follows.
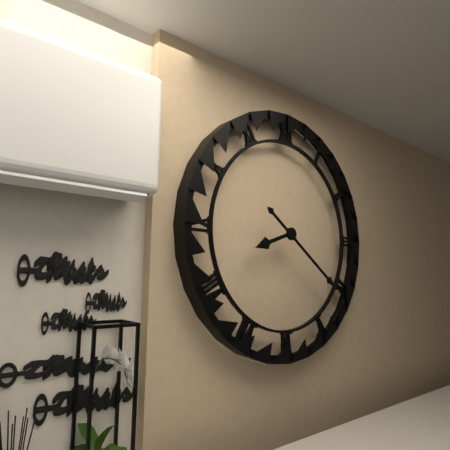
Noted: **8:21**
